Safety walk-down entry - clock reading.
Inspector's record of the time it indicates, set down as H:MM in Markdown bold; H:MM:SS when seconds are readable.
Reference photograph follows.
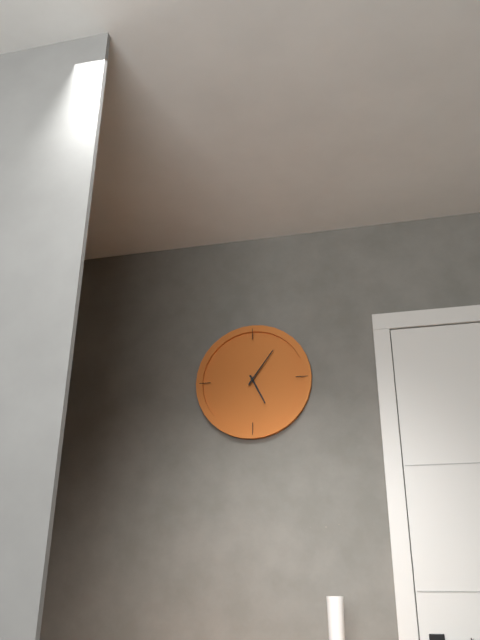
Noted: **5:06**
